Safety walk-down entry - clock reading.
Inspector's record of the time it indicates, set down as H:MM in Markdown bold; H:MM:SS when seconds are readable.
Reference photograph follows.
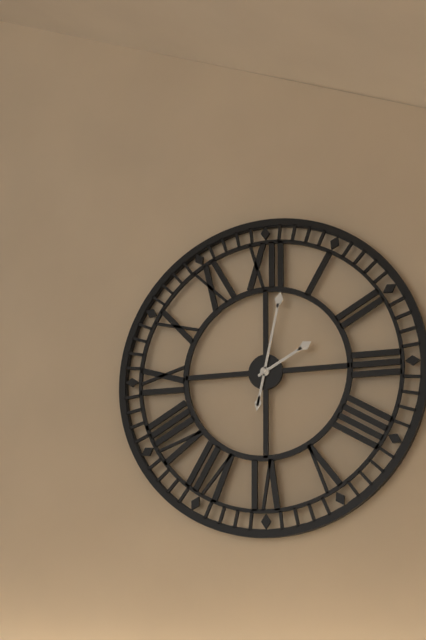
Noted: **2:02**
